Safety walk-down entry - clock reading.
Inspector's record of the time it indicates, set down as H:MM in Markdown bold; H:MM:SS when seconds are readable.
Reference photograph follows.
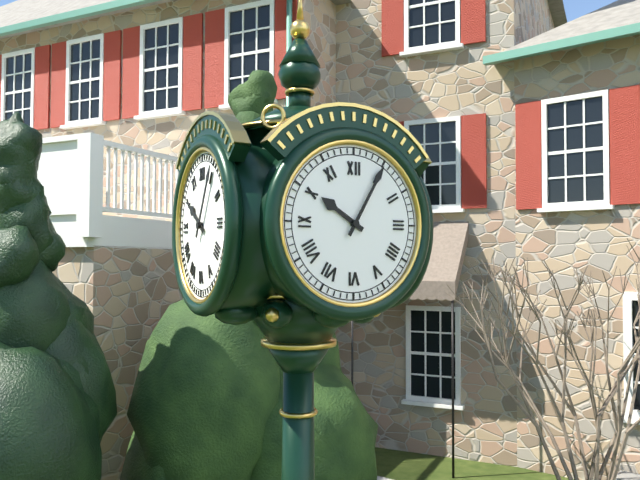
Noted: **10:05**
